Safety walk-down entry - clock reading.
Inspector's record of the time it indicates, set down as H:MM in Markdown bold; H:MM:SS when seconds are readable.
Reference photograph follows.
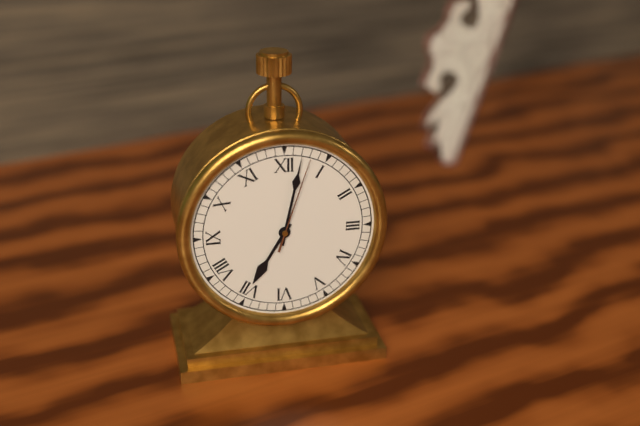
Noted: **7:02:03**
